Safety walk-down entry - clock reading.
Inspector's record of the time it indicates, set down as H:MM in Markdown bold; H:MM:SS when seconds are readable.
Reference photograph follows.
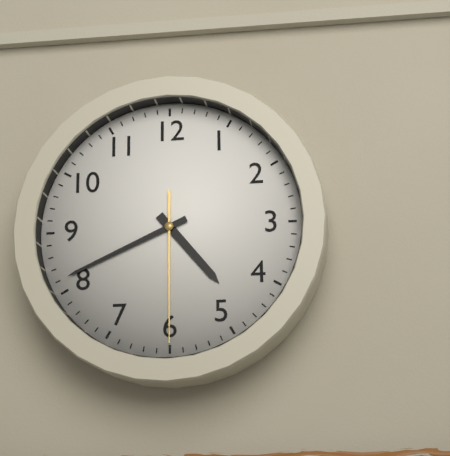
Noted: **4:41:30**
